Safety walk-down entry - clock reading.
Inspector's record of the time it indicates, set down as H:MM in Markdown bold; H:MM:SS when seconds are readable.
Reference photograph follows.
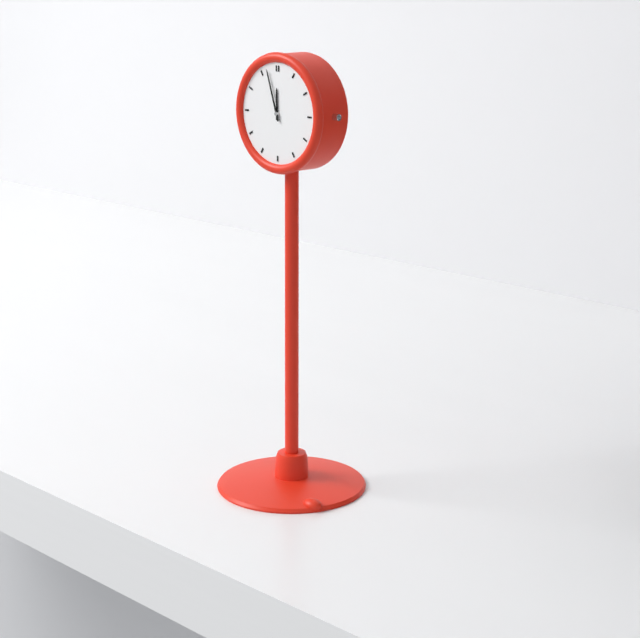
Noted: **11:57**
